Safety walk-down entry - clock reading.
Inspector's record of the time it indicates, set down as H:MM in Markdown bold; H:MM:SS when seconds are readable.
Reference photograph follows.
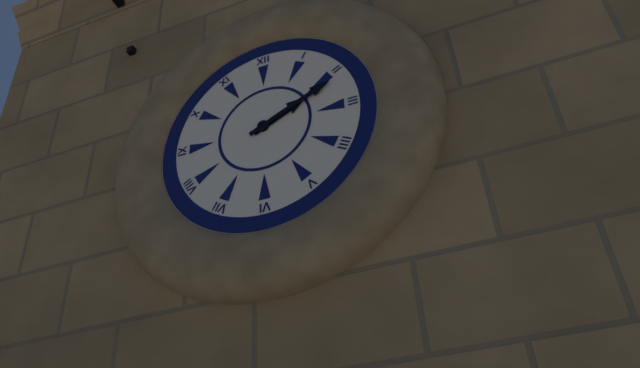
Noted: **2:11**
